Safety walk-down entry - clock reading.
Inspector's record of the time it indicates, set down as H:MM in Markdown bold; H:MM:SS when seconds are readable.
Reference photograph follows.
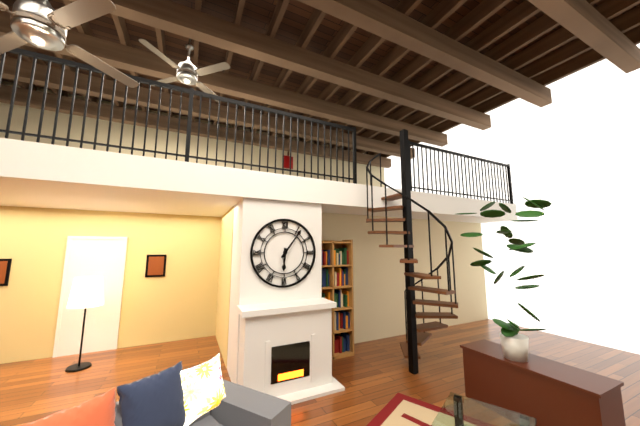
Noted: **6:06**
